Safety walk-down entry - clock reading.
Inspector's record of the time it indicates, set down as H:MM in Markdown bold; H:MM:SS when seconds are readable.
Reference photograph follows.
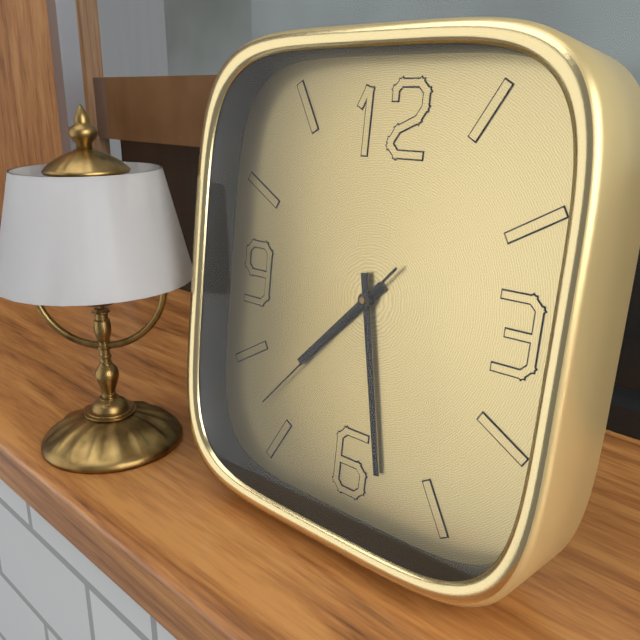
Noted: **7:28:37**
